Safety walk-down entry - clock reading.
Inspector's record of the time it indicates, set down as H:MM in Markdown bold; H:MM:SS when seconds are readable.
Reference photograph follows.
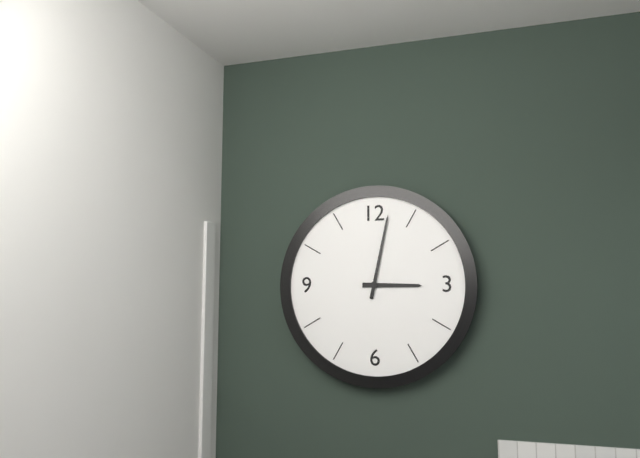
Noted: **3:02**
